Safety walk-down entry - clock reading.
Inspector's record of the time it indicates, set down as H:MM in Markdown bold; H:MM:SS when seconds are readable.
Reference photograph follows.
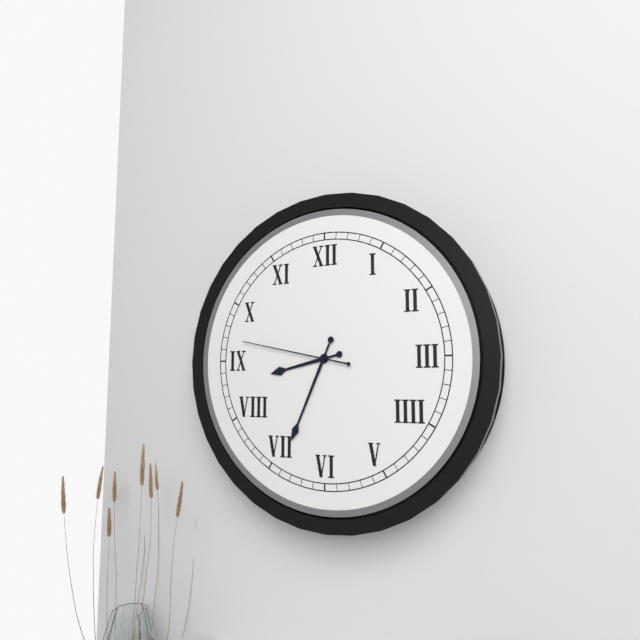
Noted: **8:34:47**
